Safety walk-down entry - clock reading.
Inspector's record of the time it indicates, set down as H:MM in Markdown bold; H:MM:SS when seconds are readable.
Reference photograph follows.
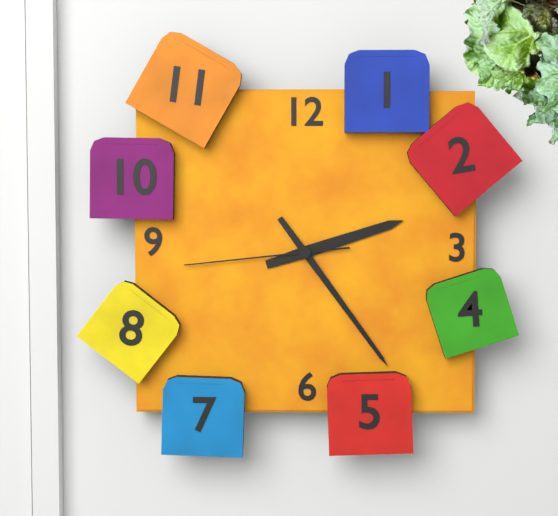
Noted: **2:24:44**
